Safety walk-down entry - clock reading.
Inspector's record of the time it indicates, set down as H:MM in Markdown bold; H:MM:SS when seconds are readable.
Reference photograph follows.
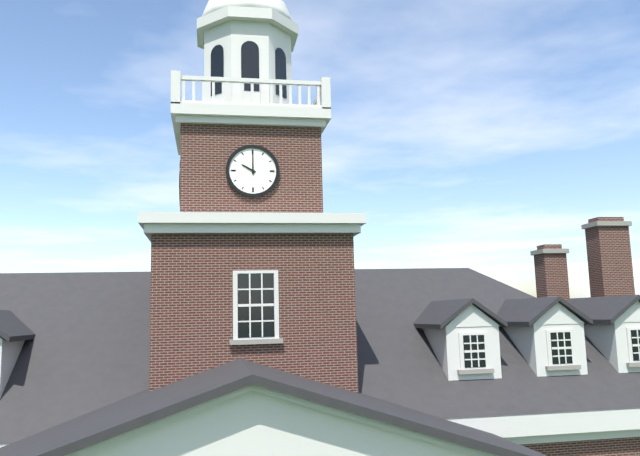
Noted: **10:00**
